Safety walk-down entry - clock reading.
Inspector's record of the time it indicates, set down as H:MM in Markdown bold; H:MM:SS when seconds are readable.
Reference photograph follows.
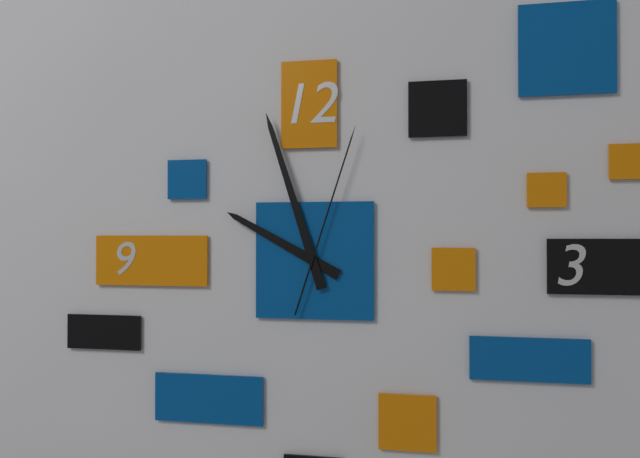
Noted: **9:57:03**
